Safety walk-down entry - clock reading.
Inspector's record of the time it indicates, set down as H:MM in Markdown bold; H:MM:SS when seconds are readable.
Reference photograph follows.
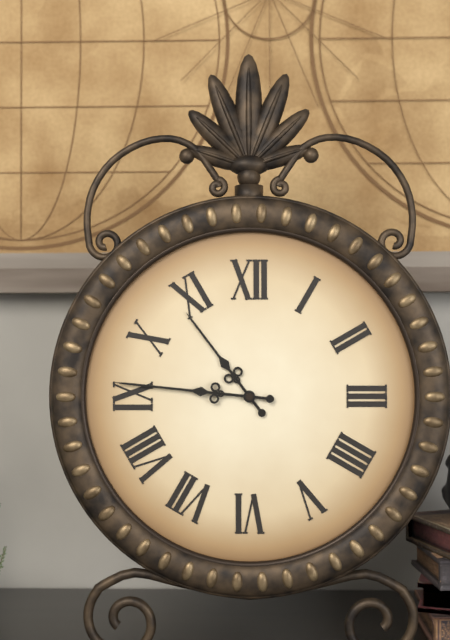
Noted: **10:46**
